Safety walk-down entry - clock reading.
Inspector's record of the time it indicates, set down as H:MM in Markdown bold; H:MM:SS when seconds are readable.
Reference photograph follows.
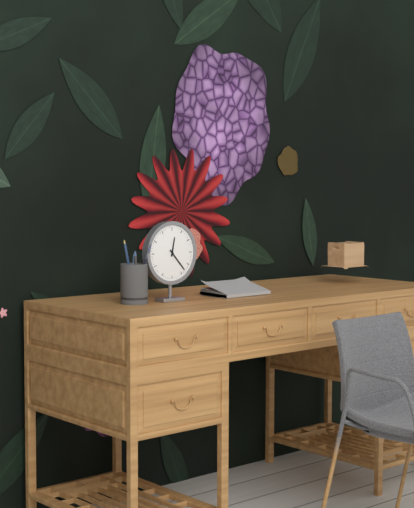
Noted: **12:23**
